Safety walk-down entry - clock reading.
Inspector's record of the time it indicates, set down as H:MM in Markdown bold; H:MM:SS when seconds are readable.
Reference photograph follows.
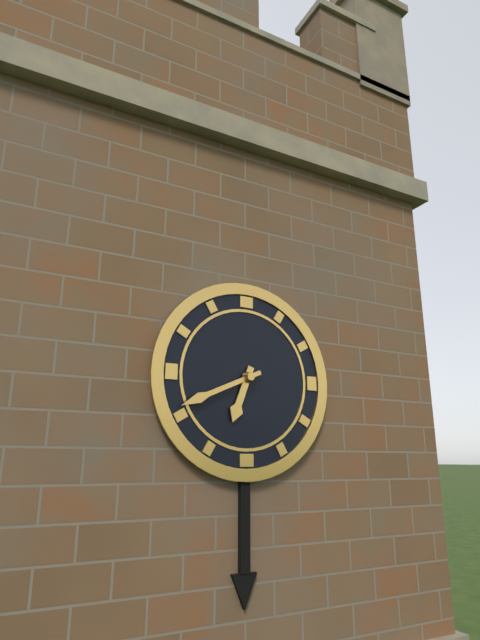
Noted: **6:41**
